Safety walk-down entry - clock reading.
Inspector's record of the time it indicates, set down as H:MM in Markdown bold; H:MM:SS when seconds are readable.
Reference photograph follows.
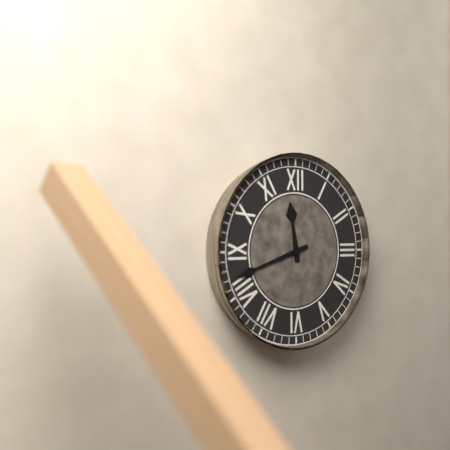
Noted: **11:42**
